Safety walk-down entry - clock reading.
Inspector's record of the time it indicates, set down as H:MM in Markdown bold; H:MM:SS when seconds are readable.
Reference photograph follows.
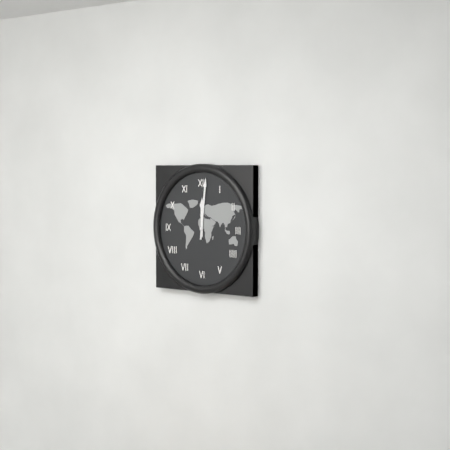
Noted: **12:01**
